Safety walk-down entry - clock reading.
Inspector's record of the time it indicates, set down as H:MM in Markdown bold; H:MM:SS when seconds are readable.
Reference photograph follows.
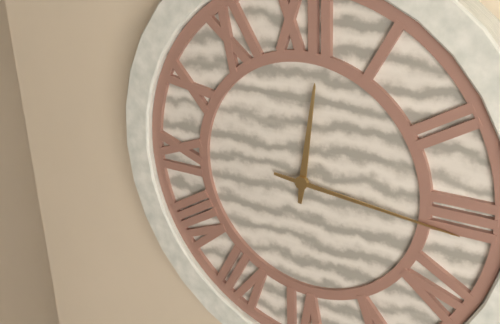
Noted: **12:16**
